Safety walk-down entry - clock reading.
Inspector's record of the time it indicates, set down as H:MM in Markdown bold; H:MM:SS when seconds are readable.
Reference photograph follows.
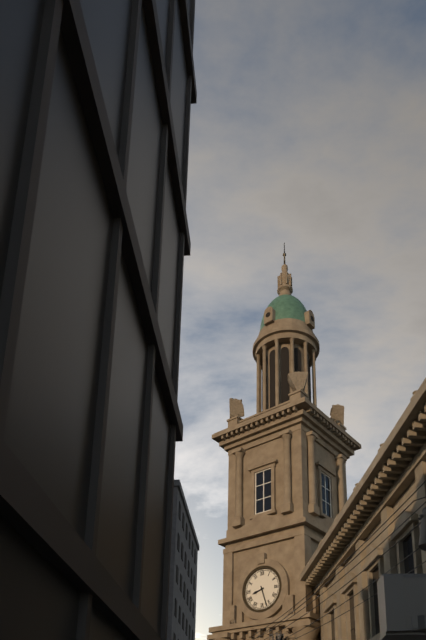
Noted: **8:27**
